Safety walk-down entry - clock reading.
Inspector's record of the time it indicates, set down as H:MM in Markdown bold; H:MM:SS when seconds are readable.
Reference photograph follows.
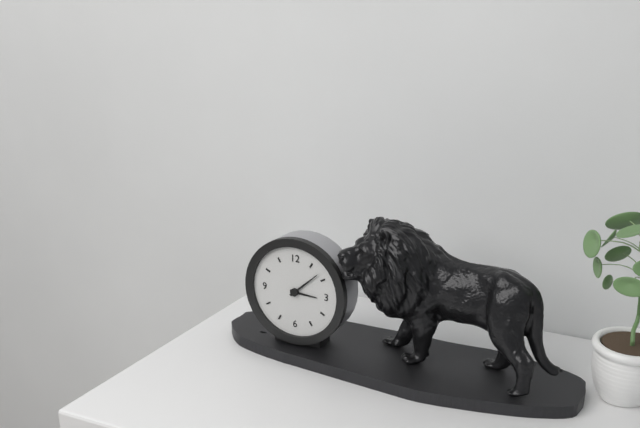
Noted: **3:08**
